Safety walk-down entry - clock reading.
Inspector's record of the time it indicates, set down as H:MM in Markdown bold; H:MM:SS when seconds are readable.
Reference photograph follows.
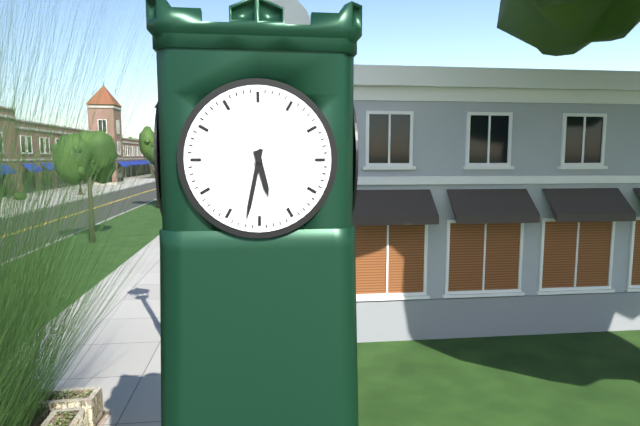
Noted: **5:32**
